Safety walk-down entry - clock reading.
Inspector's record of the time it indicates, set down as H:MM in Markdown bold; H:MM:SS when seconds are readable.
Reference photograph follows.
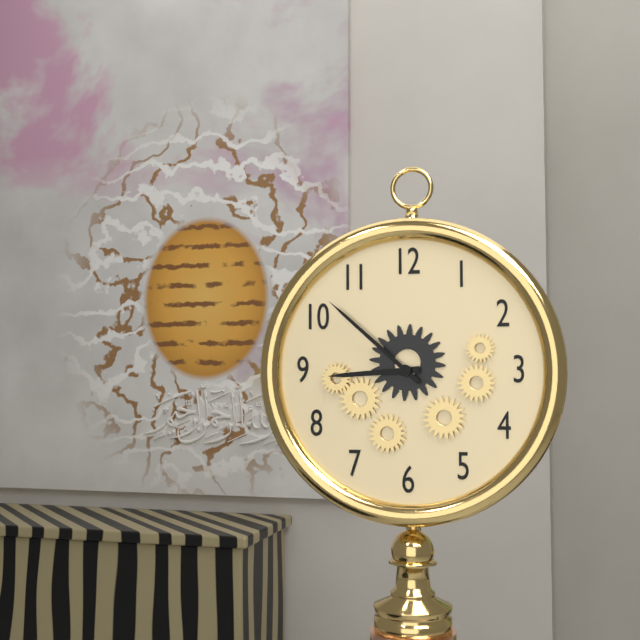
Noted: **8:52**
